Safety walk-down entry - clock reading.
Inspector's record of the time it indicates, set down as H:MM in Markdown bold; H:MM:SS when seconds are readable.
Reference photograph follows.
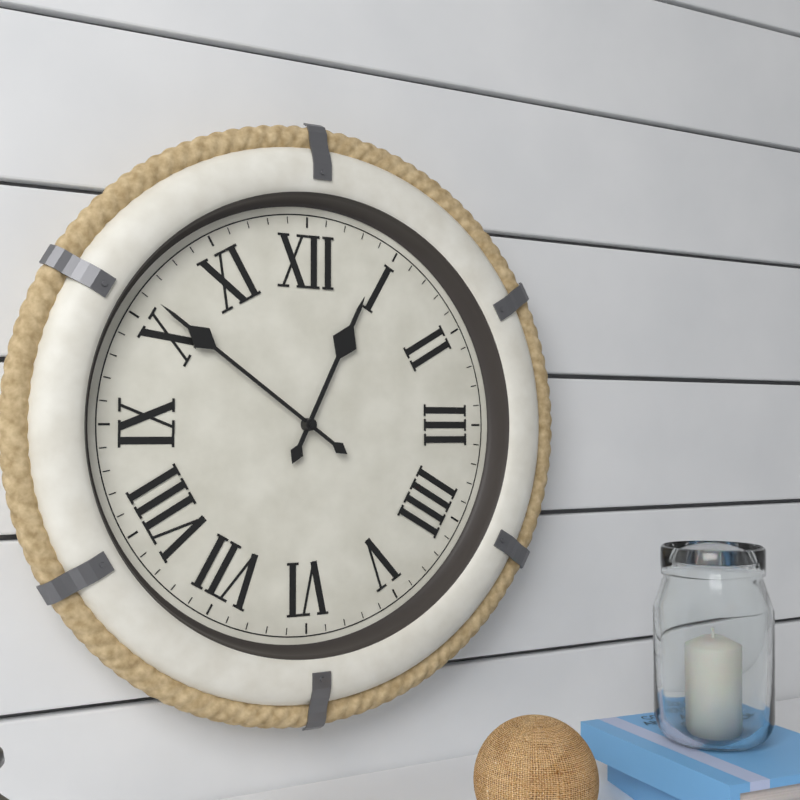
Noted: **12:51**
